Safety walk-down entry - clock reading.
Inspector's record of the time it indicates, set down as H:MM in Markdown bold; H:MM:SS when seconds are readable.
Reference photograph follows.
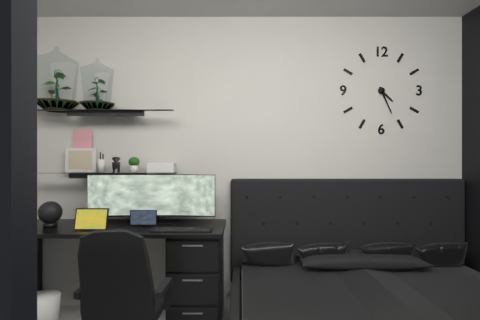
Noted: **4:26**
